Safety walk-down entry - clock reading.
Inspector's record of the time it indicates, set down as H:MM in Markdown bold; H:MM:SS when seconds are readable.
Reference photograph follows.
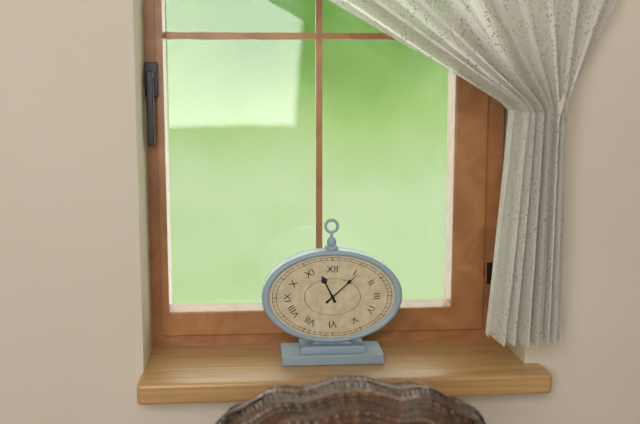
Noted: **11:08**
